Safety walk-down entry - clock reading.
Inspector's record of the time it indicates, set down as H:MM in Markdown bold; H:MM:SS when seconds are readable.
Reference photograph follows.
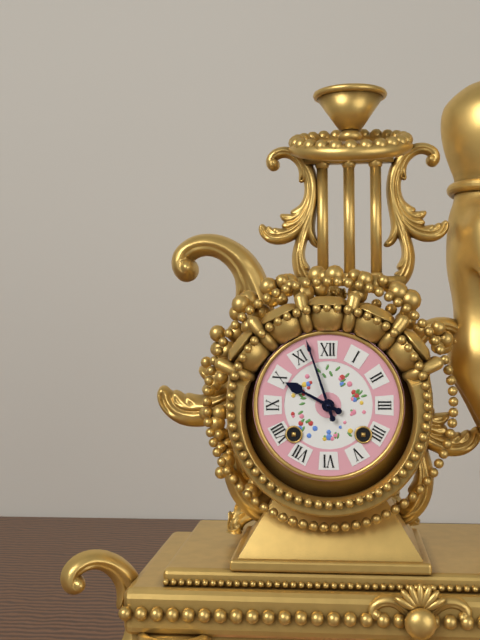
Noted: **9:57**
